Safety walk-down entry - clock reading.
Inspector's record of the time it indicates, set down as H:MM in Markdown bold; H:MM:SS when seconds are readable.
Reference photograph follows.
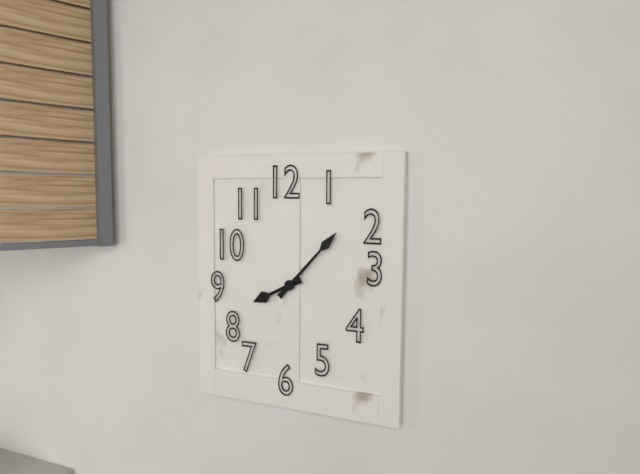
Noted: **8:07**
